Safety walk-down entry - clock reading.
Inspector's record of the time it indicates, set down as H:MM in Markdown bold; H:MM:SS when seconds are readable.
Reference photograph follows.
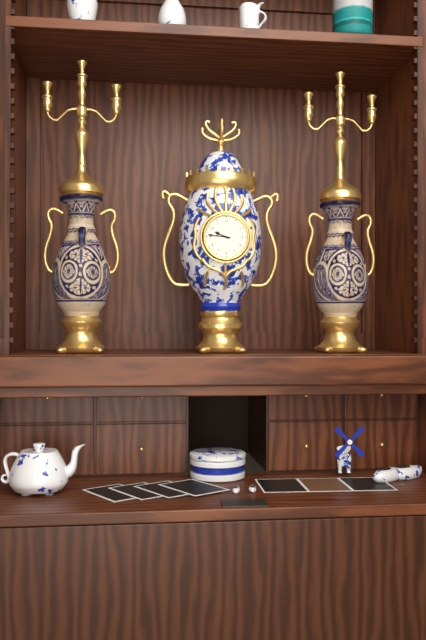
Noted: **9:46**
